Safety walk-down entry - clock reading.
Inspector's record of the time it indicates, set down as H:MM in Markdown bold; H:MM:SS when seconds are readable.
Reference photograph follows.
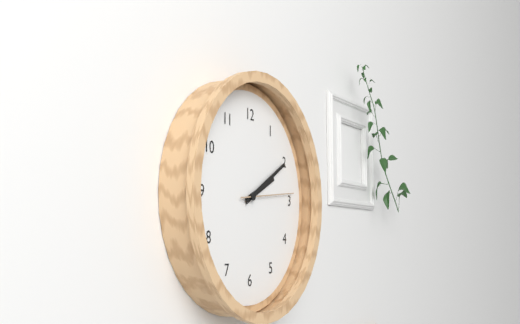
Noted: **2:10:14**
